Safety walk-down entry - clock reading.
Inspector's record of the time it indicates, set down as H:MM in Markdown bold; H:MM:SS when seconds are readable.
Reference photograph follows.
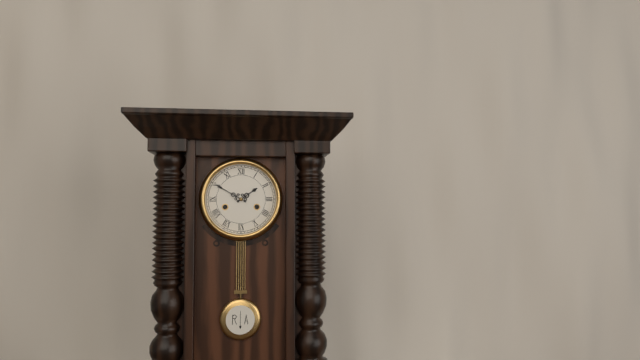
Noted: **1:50**
